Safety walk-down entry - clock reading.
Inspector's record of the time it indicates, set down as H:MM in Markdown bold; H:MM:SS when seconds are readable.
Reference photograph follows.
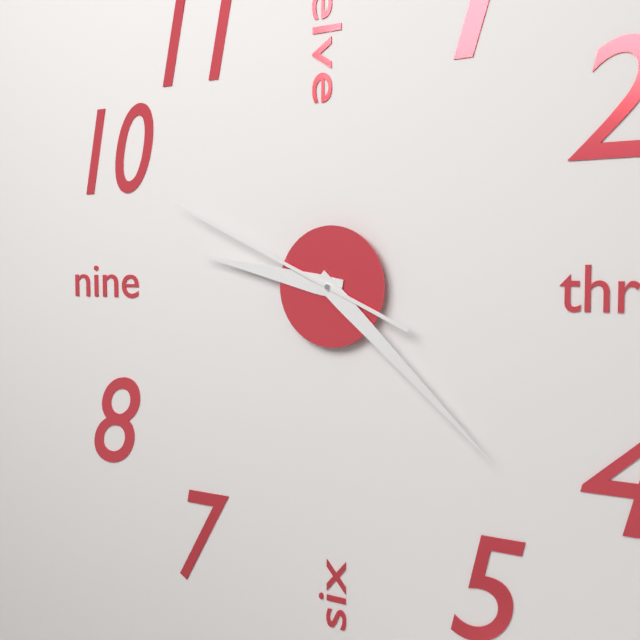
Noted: **9:22:49**
